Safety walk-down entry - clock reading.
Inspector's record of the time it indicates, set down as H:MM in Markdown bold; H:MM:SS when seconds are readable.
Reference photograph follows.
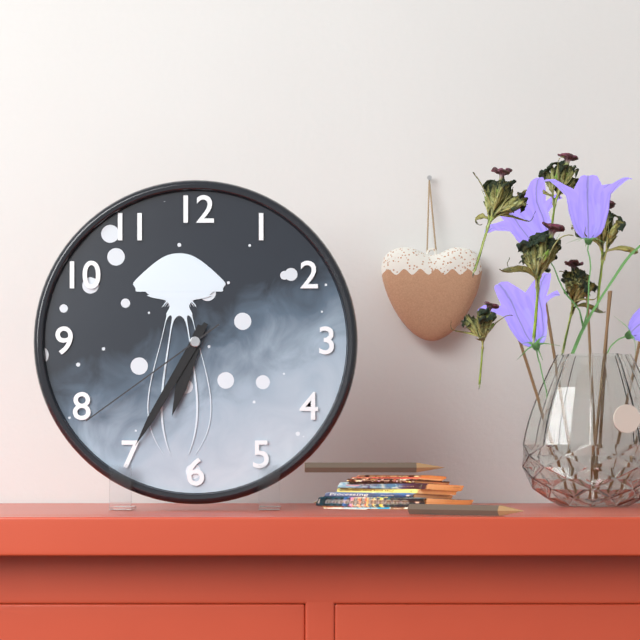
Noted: **6:35:39**
